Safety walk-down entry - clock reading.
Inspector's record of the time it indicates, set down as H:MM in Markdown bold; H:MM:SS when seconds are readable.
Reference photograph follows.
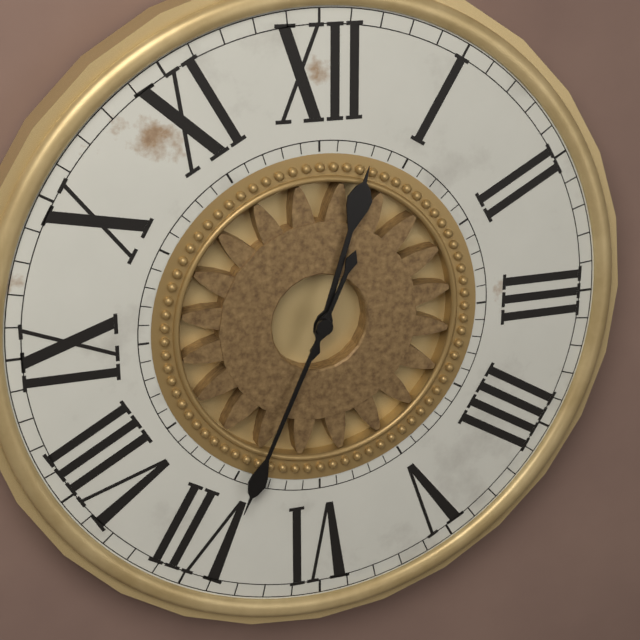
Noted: **12:34**
